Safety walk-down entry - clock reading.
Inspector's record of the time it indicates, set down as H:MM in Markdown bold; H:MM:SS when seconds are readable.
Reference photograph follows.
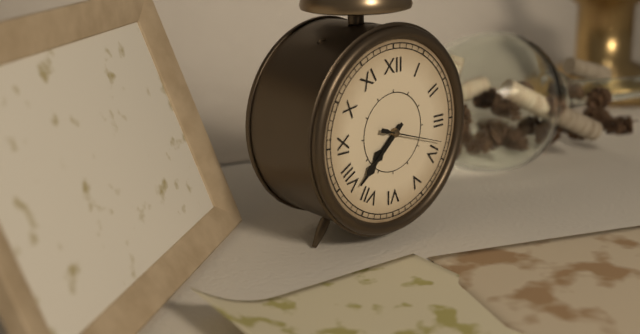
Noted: **7:38:18**
